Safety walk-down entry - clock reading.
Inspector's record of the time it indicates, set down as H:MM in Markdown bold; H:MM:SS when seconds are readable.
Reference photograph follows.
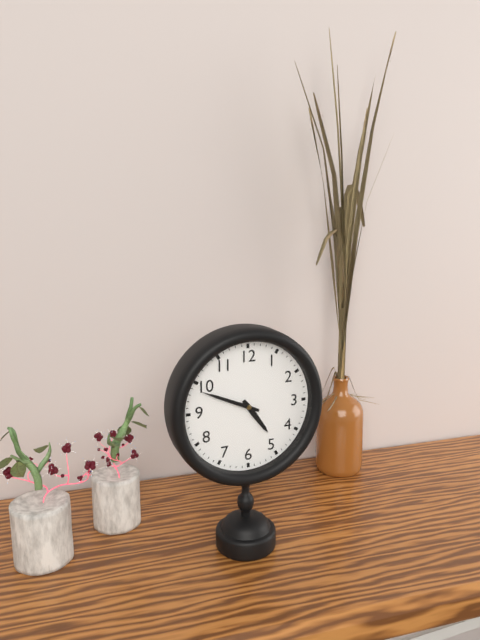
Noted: **4:49**
